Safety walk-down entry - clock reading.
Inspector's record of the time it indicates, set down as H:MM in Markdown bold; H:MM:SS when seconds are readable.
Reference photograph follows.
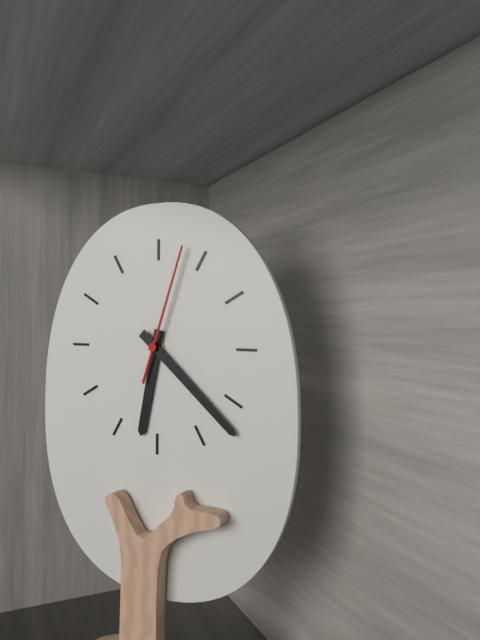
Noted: **6:22:03**
